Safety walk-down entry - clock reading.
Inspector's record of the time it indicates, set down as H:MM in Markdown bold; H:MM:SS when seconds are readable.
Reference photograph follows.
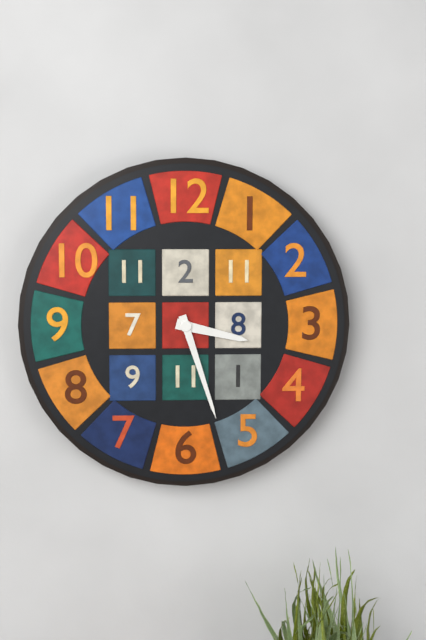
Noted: **3:27**
